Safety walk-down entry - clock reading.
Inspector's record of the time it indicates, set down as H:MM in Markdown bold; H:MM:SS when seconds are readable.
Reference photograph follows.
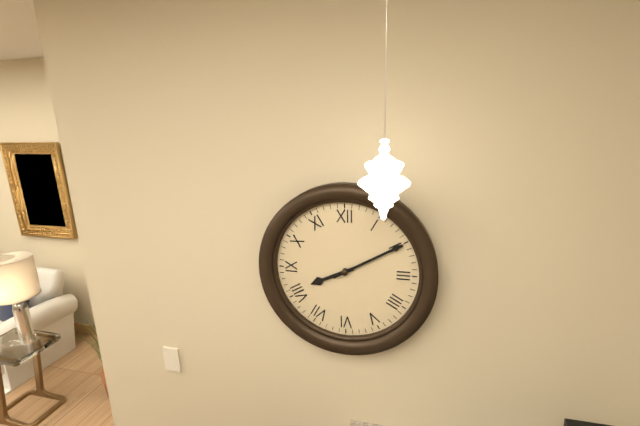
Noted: **8:10**
